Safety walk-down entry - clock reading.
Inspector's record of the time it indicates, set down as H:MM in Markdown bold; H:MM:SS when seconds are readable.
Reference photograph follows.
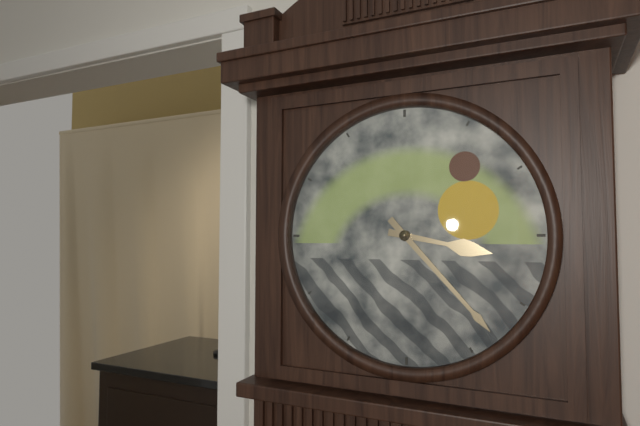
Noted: **3:23**
